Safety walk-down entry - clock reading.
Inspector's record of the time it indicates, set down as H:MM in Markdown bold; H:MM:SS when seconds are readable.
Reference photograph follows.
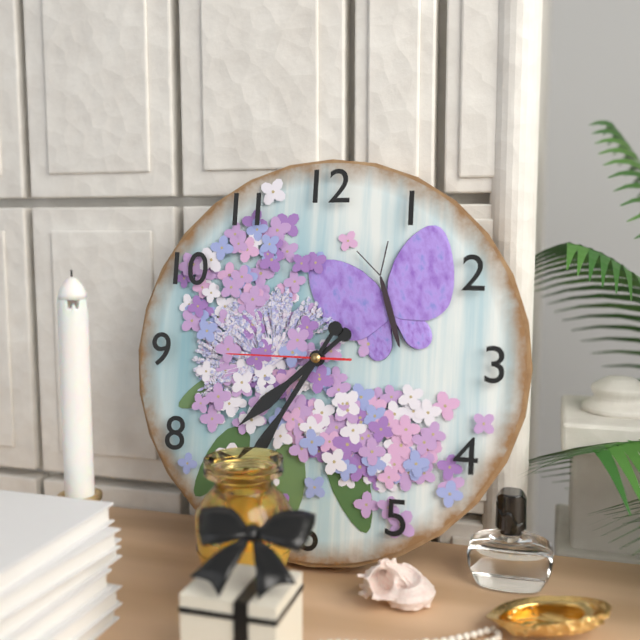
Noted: **7:35:45**
